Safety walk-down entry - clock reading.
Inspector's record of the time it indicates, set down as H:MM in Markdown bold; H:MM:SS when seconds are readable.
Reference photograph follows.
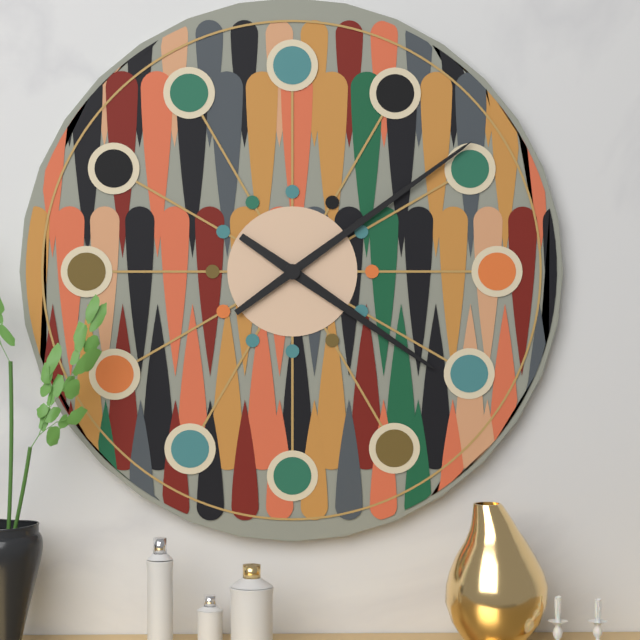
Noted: **4:09**
